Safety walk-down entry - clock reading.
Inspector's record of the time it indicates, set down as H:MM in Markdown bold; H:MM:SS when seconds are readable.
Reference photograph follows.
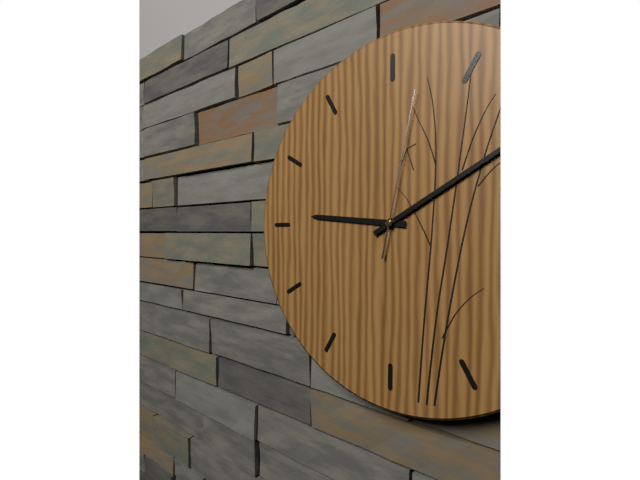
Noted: **9:10:02**
